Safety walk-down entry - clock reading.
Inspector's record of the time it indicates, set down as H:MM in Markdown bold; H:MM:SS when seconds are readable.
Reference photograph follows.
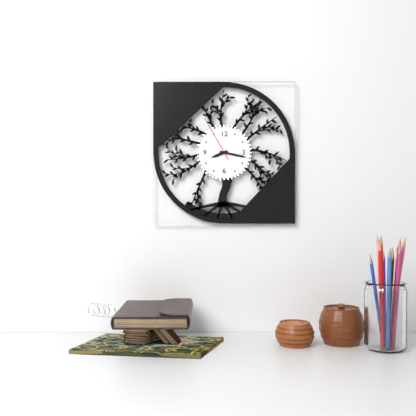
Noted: **8:17**
